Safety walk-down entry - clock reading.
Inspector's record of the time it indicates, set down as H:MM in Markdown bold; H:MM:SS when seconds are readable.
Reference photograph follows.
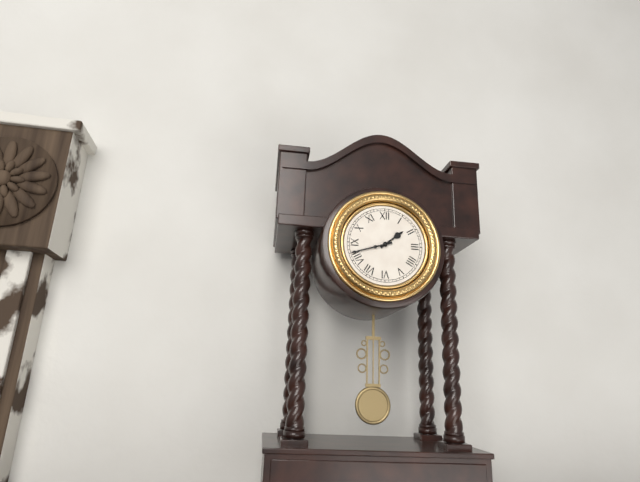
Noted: **1:42**
